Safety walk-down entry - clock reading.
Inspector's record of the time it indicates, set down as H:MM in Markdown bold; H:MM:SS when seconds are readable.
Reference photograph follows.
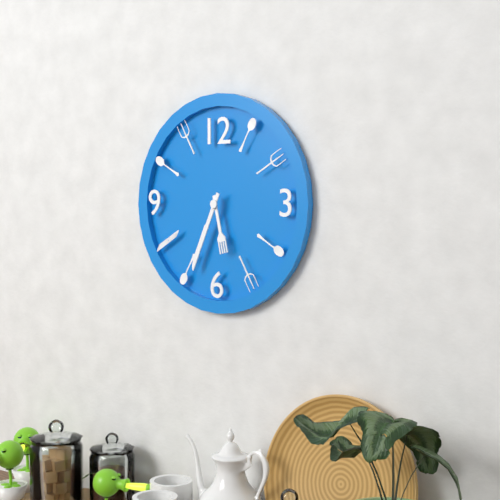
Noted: **5:34**
